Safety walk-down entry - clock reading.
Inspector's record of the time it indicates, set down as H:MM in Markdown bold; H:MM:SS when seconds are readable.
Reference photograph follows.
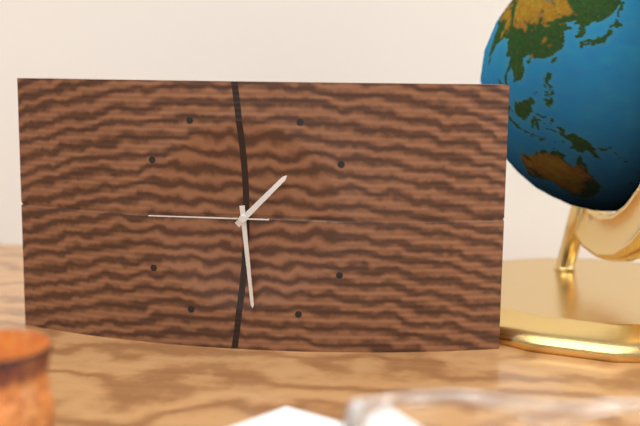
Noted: **1:29:45**
